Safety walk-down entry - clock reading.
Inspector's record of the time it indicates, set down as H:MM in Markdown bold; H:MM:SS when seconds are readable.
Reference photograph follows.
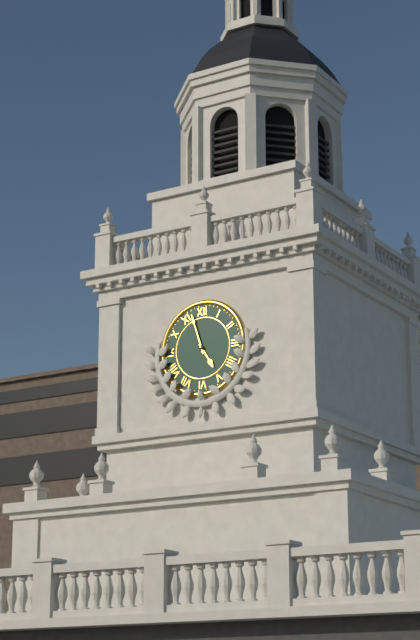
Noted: **4:57**
